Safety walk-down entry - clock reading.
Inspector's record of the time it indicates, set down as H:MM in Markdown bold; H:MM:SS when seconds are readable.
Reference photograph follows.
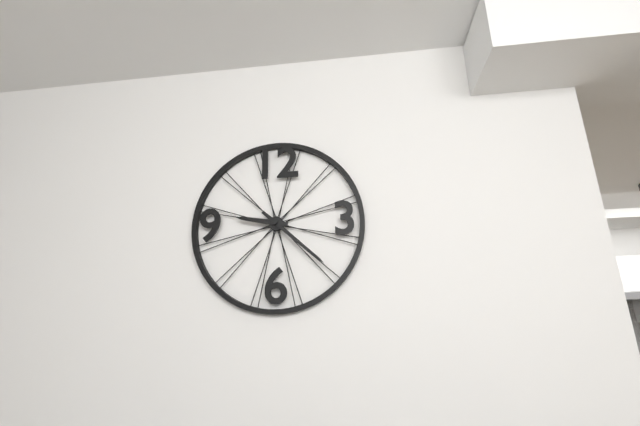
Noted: **9:22**
